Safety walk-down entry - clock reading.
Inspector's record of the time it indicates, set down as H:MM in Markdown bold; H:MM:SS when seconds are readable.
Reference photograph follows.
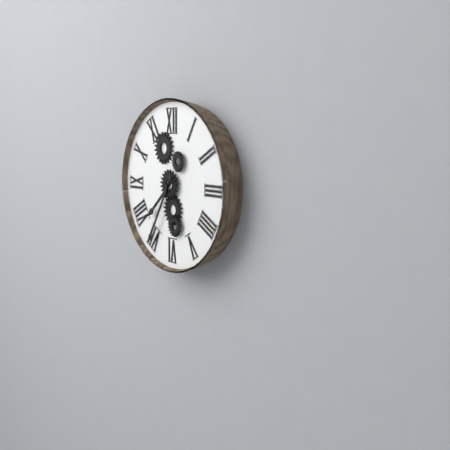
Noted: **7:35**
